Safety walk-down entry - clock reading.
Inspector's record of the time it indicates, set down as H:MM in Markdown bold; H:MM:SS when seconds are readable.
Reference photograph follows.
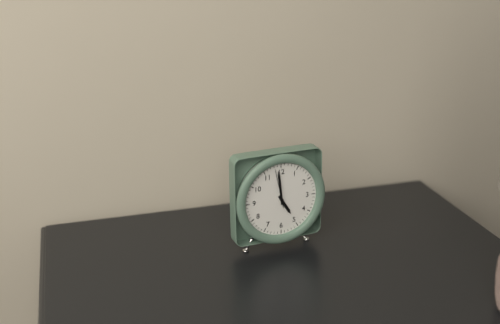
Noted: **4:59**
